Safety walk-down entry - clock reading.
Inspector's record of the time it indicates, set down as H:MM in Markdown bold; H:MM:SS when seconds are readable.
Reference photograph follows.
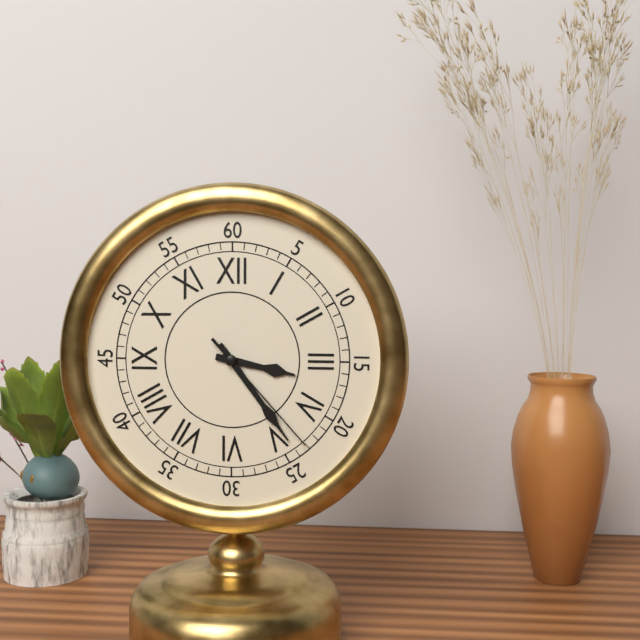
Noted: **3:24:23**
